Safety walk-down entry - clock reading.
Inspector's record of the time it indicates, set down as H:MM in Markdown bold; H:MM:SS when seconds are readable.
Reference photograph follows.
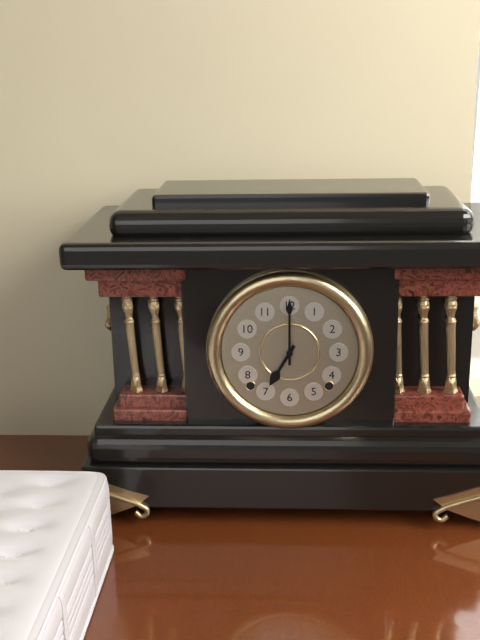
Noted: **7:00**
